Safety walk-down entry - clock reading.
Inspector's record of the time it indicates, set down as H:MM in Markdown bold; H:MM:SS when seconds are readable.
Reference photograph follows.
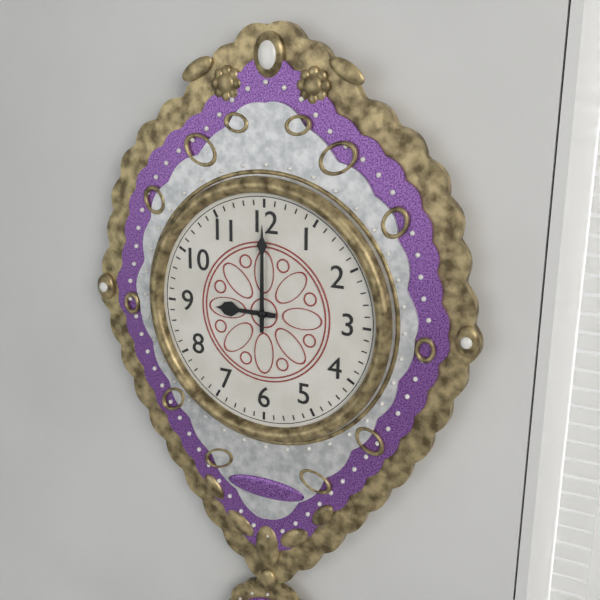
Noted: **9:00**
